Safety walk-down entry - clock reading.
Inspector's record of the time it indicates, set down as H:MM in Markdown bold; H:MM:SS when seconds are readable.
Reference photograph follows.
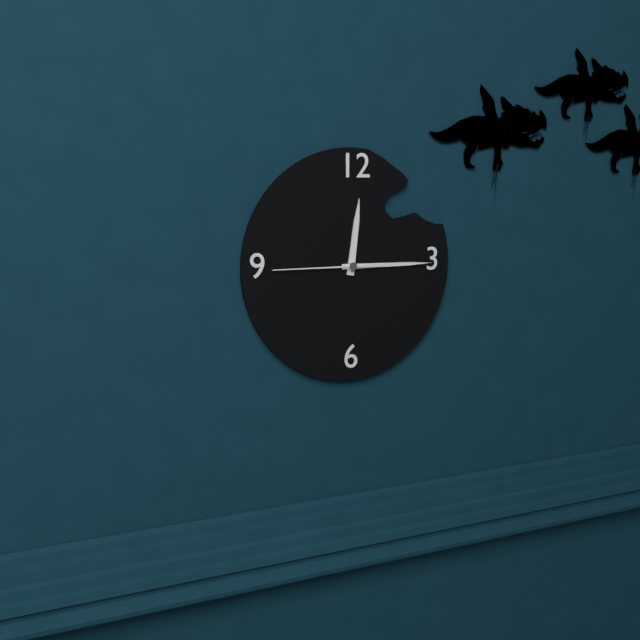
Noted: **12:15:45**
